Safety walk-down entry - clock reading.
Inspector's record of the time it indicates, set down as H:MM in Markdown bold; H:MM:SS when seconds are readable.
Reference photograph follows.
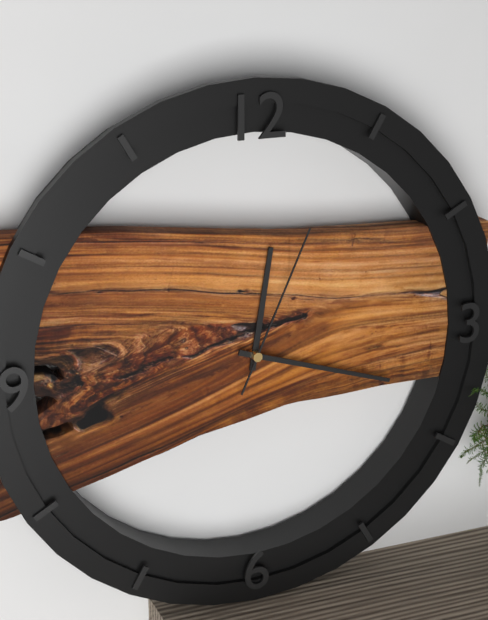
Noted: **12:18:04**
